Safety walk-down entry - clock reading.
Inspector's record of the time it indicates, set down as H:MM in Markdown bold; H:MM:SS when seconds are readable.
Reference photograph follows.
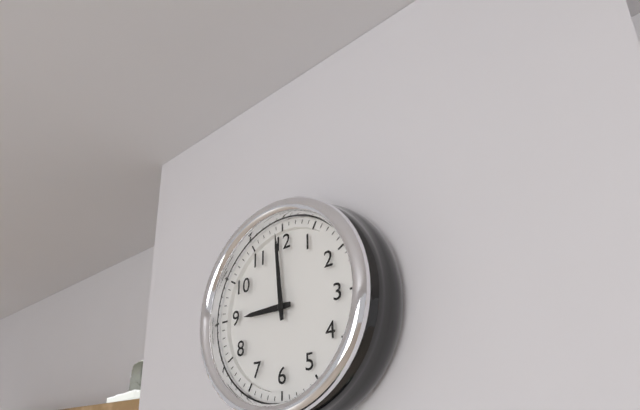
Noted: **8:59**
